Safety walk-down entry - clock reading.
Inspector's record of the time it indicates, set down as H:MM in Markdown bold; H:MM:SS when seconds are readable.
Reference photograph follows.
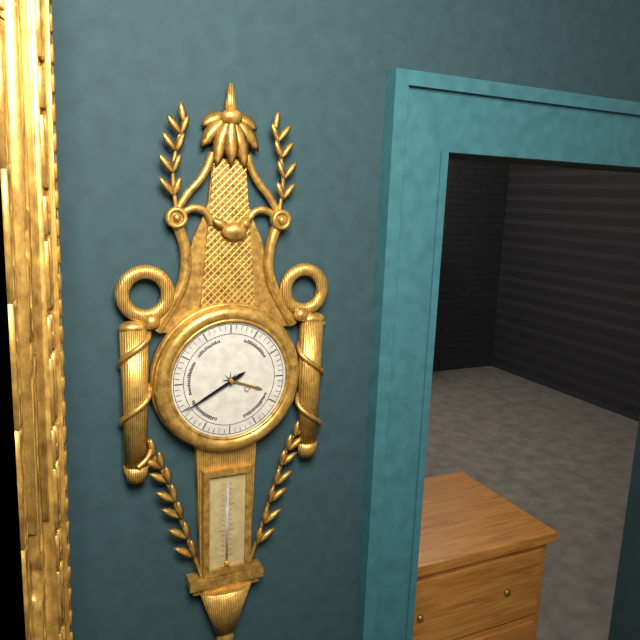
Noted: **3:40**
